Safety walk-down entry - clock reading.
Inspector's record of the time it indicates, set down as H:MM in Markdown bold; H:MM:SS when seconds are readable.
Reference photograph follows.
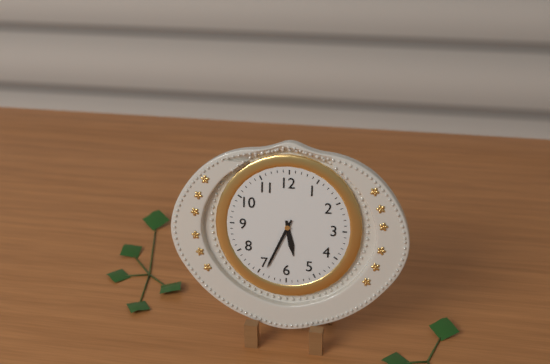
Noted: **5:34**
